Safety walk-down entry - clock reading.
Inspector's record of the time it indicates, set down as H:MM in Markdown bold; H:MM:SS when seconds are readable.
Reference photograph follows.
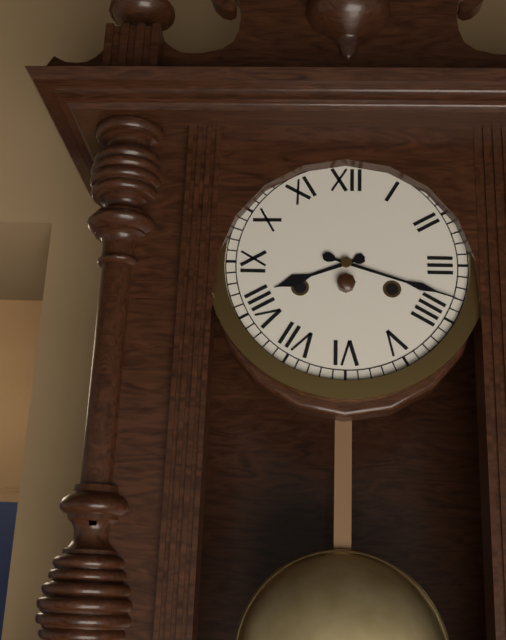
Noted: **8:18**
